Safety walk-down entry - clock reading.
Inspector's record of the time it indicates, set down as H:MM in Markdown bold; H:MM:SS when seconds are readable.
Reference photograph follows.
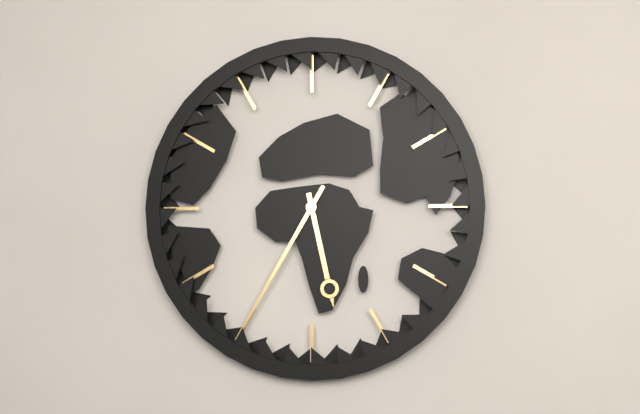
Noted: **5:35**
